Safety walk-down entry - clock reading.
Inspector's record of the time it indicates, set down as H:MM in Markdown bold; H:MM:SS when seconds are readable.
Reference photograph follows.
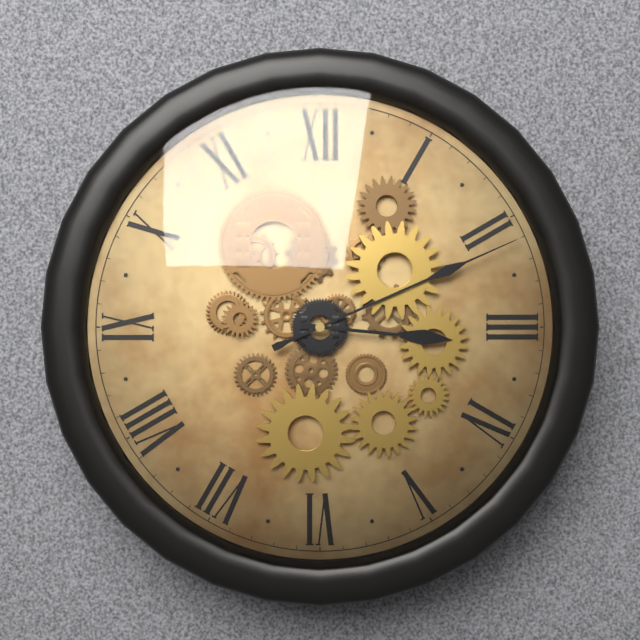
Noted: **3:11**
